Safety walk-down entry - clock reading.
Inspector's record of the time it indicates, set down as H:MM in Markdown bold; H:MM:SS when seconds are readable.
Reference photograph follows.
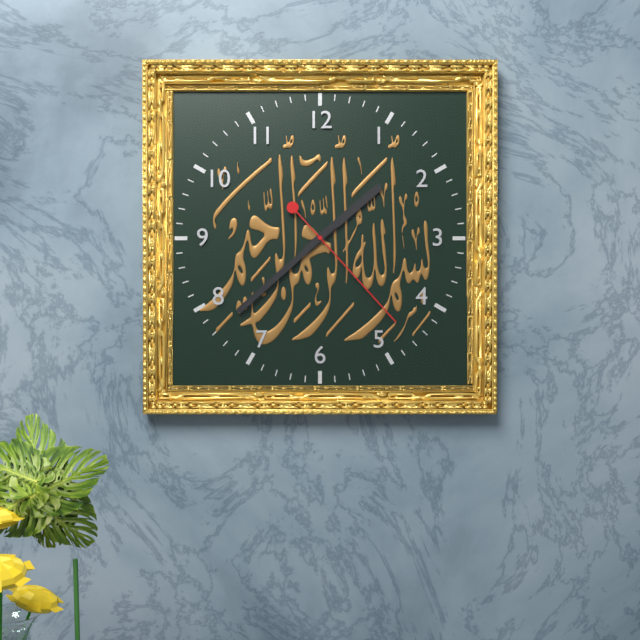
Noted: **1:38:23**
